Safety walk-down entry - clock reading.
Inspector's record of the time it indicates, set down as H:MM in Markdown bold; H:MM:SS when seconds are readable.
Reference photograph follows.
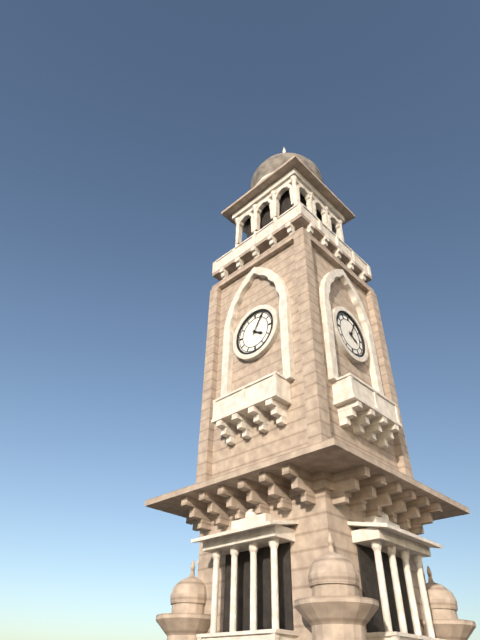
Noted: **4:05**
